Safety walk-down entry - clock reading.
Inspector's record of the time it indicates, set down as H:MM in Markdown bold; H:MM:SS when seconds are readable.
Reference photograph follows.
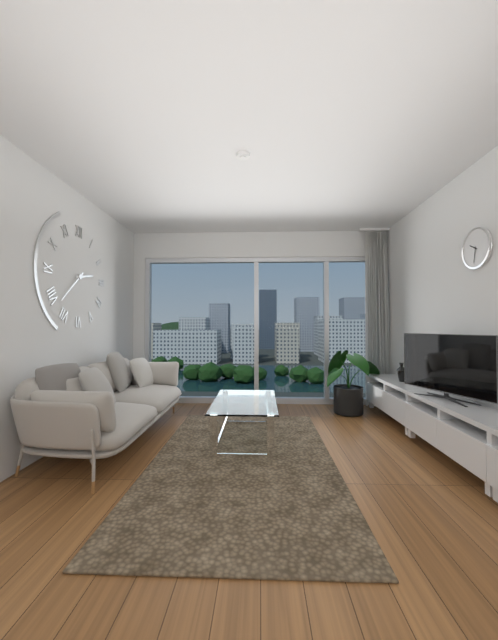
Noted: **2:38**
